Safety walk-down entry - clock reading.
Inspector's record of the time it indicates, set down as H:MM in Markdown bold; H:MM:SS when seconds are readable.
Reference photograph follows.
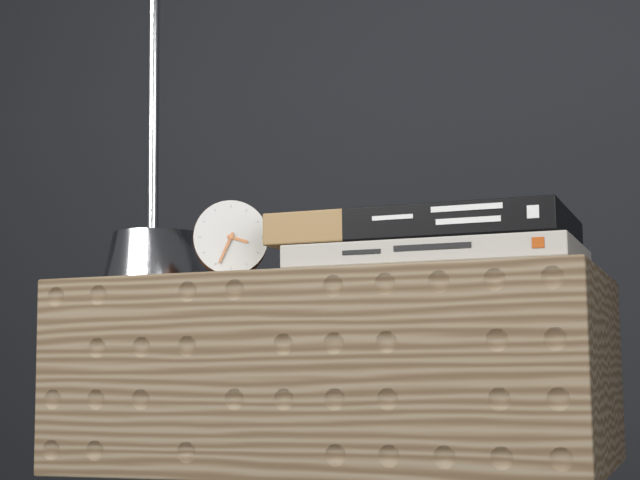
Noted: **3:34**
